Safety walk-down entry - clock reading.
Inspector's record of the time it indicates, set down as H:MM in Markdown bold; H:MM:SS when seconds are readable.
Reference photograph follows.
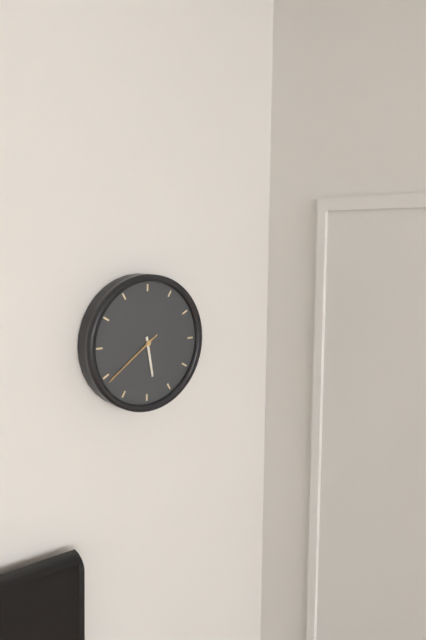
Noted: **5:39:39**
